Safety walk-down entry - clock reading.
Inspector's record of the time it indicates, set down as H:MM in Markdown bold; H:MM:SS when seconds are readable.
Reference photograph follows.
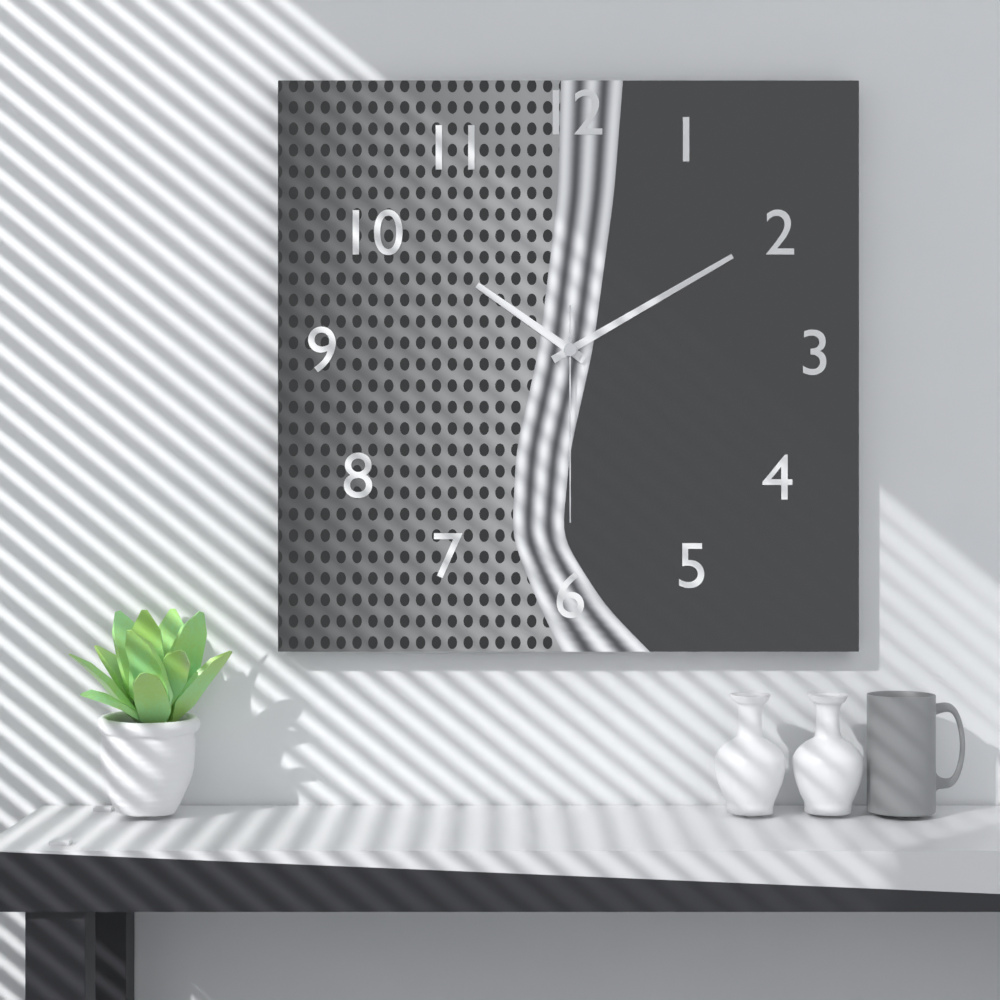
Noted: **10:10:30**
